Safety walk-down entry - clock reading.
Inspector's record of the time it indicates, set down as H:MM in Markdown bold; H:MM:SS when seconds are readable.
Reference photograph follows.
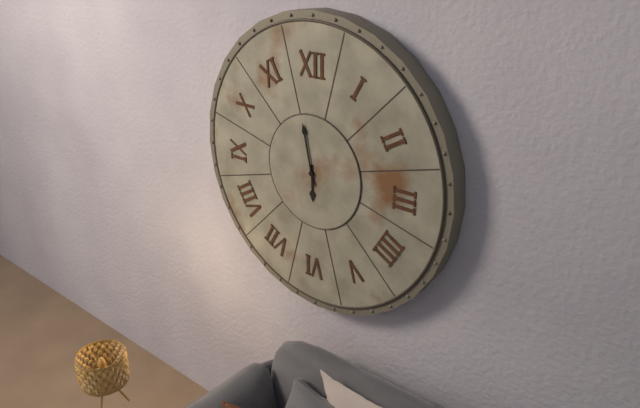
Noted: **5:58**
